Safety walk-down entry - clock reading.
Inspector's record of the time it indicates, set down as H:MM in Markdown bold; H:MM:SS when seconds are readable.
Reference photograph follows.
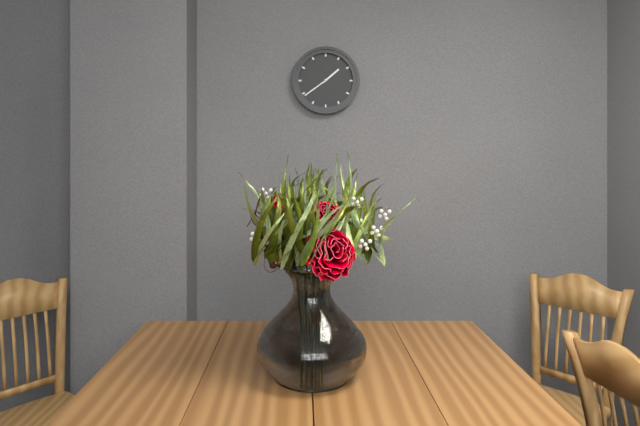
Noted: **1:39**
